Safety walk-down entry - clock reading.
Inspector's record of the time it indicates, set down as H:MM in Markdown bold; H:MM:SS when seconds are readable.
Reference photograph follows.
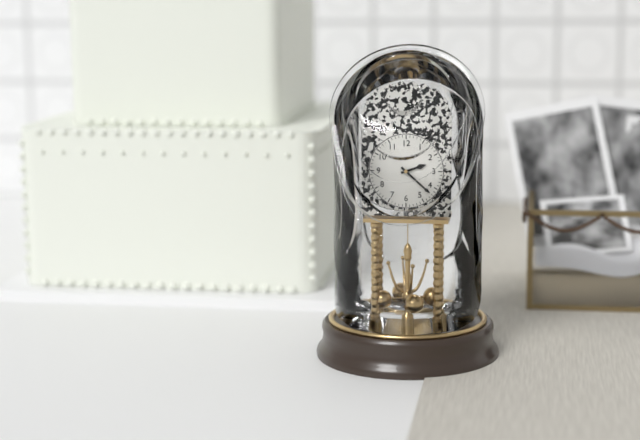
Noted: **2:22**
